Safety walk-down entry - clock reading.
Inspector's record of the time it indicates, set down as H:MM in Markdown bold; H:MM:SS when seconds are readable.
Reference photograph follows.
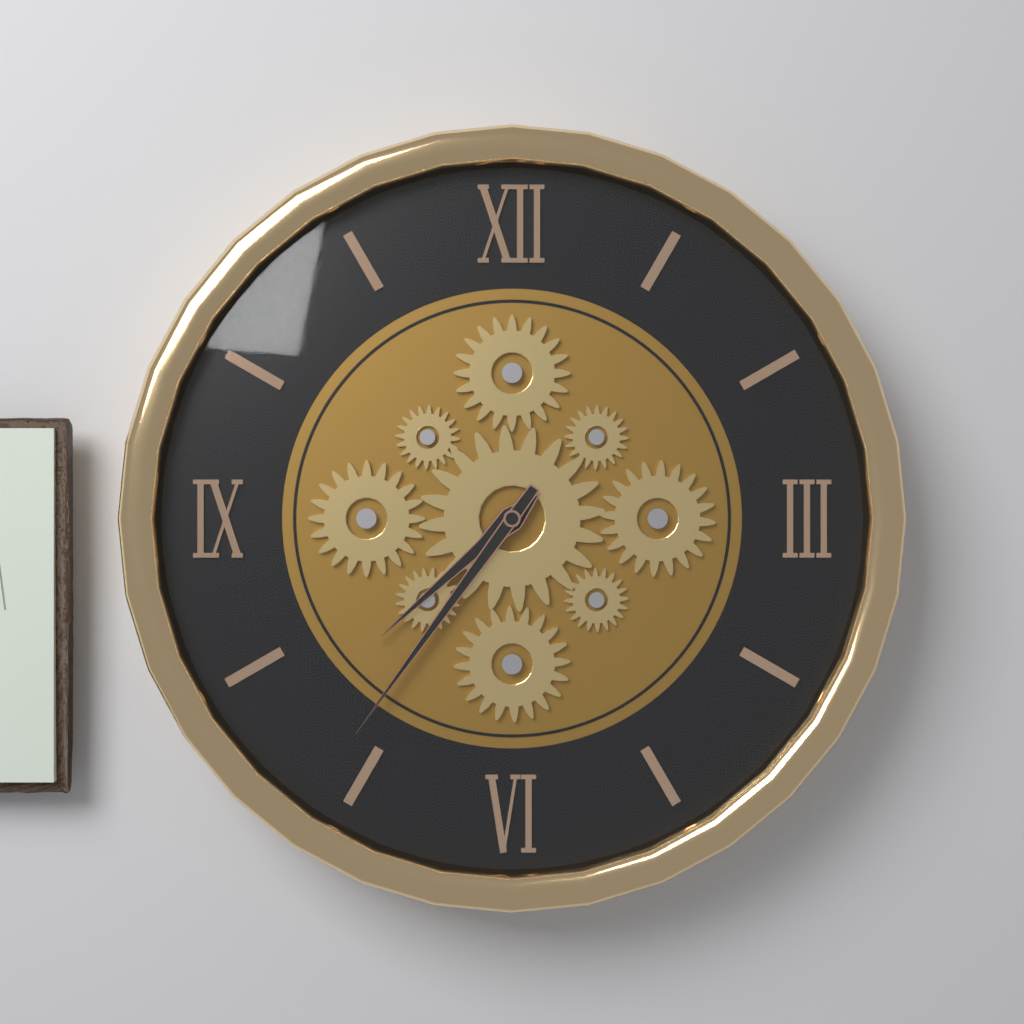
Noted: **7:36**
